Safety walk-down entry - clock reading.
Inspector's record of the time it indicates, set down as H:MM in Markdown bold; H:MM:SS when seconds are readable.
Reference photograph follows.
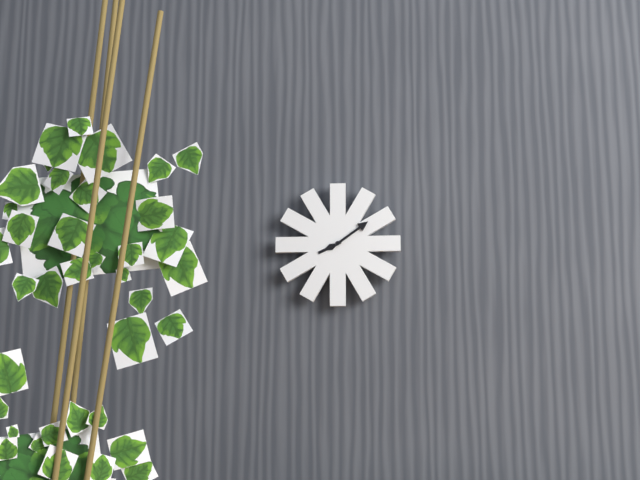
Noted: **8:09**
